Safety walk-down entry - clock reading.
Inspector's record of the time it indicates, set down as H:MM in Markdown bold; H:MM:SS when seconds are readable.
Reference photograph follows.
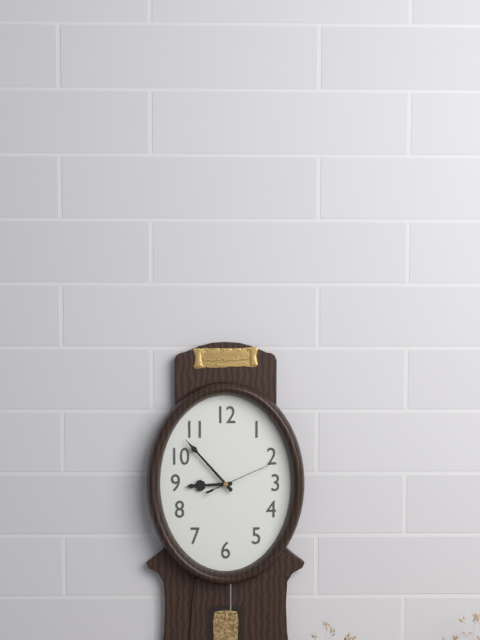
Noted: **8:53:11**
